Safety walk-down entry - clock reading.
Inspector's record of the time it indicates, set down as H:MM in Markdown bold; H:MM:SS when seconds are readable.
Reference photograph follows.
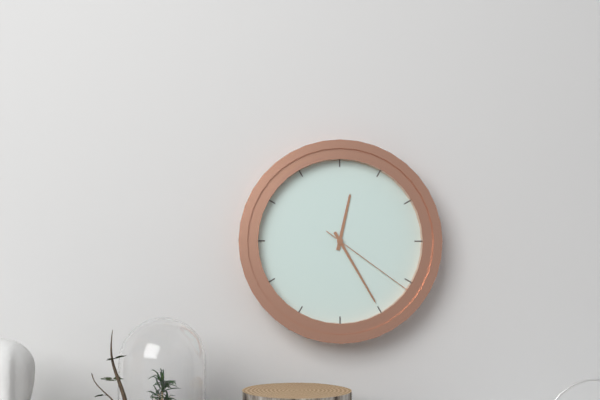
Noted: **12:25:21**
